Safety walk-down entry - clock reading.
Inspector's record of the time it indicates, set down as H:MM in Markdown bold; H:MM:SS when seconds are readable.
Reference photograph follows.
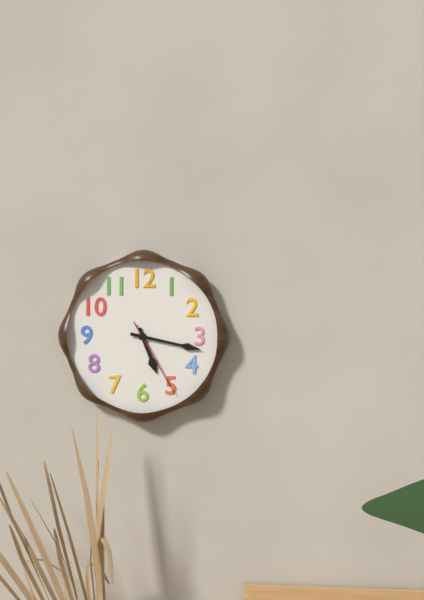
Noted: **5:17:25**
